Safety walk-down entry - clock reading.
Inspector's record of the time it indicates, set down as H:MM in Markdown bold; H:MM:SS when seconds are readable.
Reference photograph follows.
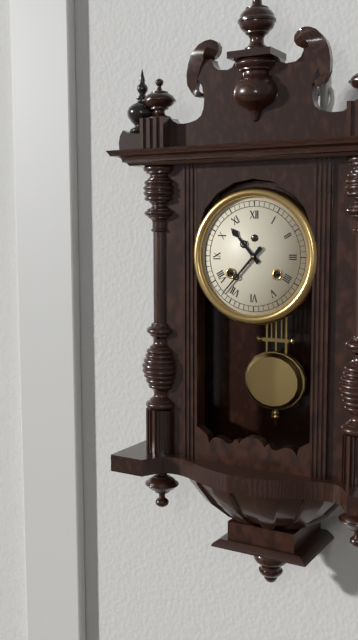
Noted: **10:37**
